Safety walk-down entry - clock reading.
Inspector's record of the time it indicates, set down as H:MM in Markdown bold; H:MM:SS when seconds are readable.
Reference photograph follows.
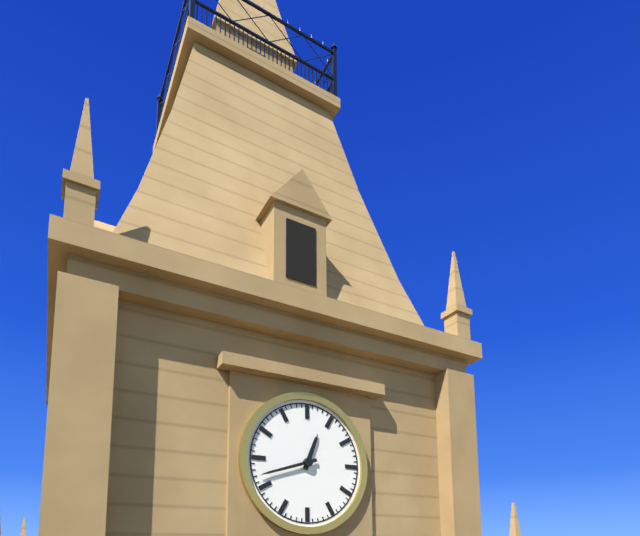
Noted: **12:42**
